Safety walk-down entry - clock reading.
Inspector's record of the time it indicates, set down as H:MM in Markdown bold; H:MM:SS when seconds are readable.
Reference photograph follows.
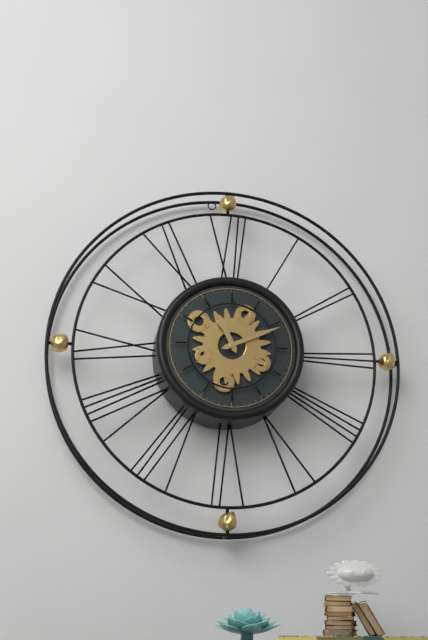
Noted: **11:11**
